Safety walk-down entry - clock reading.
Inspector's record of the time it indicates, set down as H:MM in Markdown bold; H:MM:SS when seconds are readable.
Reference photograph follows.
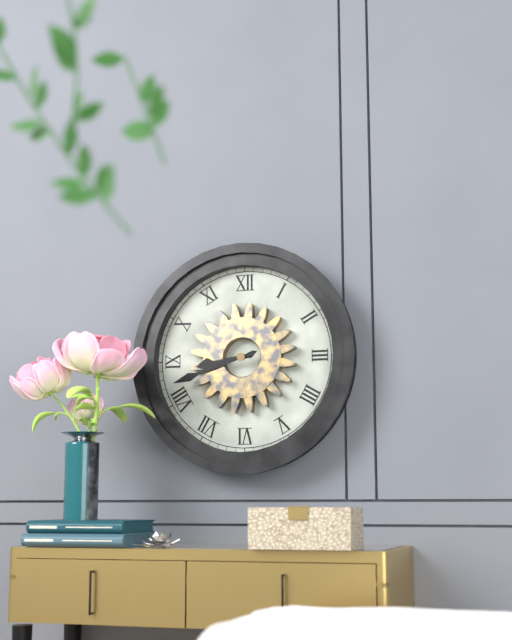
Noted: **8:42**
